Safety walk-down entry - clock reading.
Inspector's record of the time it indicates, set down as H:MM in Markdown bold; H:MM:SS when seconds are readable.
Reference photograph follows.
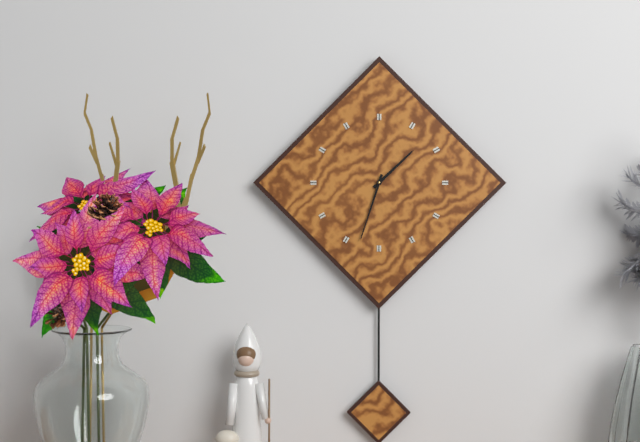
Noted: **1:33**
